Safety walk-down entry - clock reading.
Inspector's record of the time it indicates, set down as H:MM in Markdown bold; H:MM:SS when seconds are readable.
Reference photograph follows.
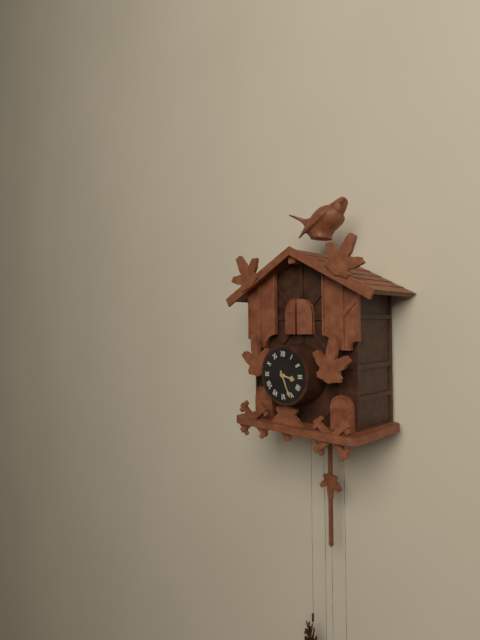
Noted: **3:26**
